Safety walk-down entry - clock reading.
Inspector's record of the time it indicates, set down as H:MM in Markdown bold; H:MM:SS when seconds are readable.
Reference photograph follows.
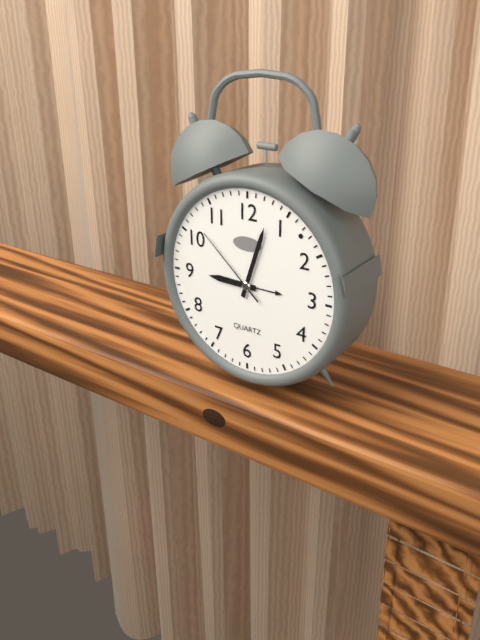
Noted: **9:03:52**
